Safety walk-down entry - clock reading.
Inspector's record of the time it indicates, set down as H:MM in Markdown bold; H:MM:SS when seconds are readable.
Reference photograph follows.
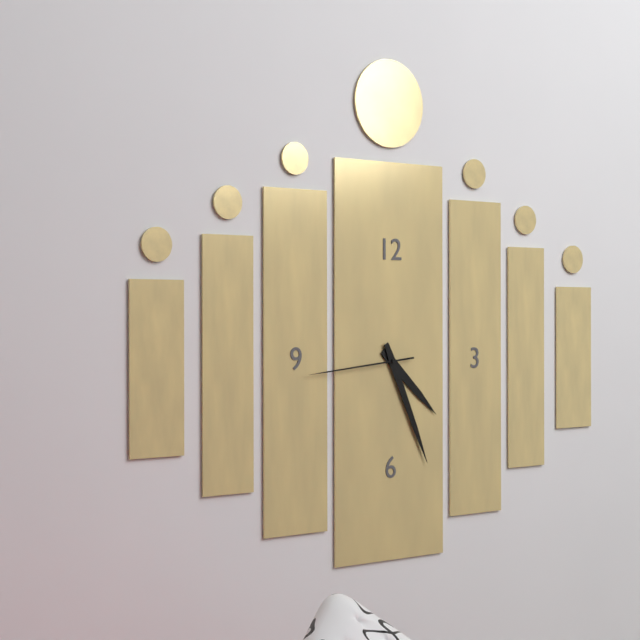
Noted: **4:26:44**
